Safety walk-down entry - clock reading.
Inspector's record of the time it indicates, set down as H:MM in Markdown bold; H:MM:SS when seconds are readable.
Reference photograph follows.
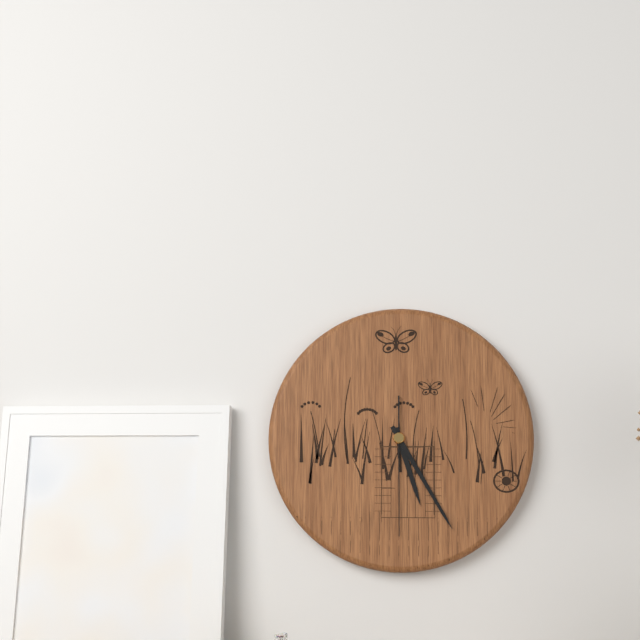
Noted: **5:25:30**
